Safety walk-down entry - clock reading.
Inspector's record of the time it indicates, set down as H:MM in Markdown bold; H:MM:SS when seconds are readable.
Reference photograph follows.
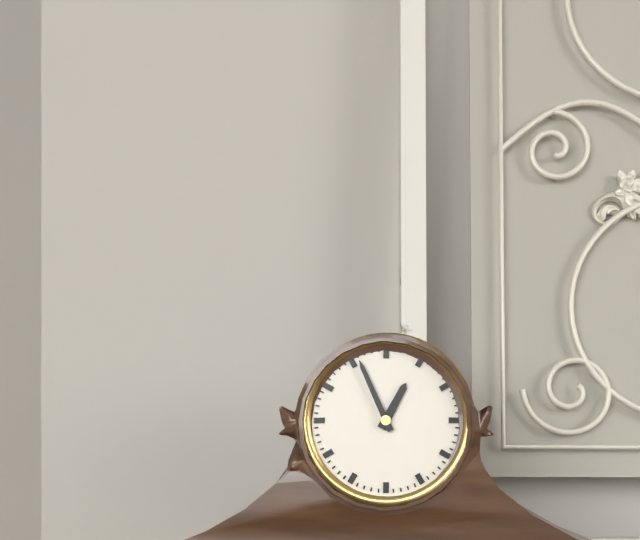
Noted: **12:56**
